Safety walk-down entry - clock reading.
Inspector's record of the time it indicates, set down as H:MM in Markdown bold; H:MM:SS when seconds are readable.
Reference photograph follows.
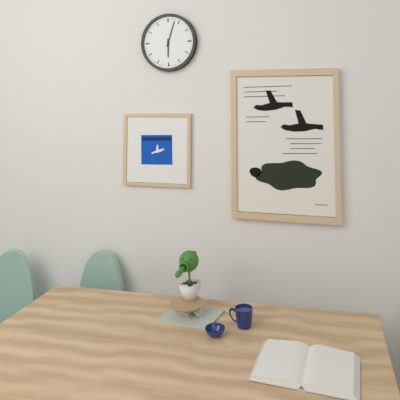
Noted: **6:03**
